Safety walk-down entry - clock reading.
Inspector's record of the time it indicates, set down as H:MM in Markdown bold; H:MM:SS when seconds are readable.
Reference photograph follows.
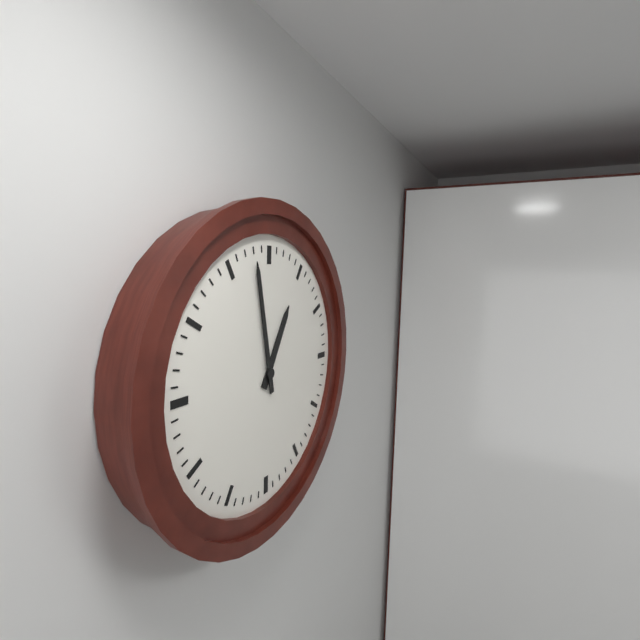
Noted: **12:58**
